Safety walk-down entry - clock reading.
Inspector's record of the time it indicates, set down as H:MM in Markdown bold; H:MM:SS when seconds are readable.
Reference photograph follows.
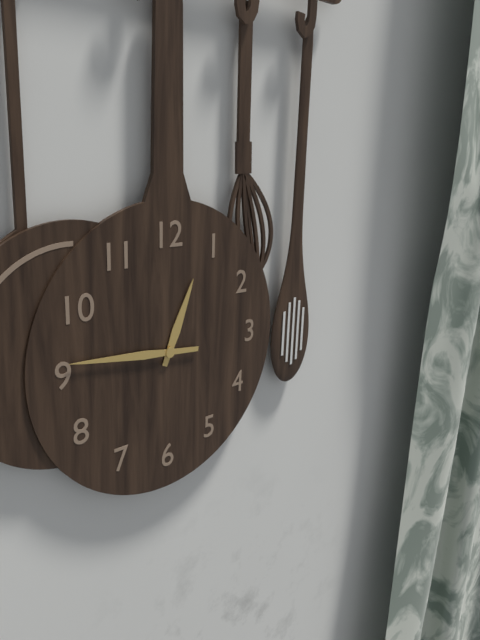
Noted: **12:46**
